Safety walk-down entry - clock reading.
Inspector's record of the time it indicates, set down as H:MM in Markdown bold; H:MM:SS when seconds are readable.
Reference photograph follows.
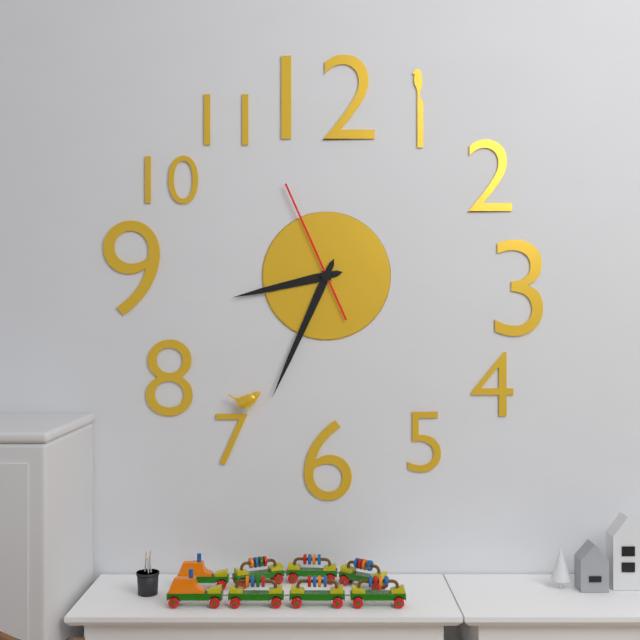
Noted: **8:34:56**
